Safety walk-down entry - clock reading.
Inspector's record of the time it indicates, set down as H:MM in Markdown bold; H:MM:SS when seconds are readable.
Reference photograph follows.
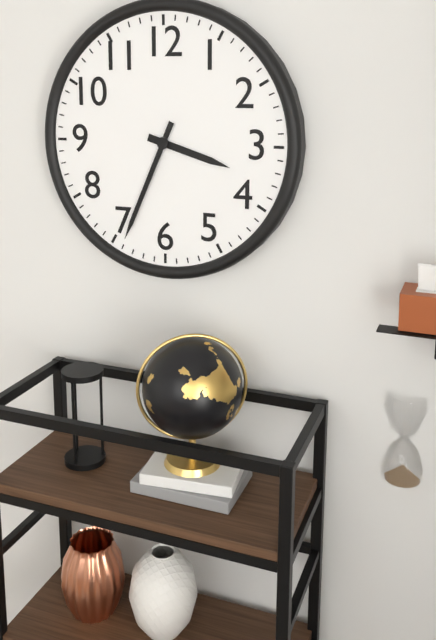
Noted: **3:34**
